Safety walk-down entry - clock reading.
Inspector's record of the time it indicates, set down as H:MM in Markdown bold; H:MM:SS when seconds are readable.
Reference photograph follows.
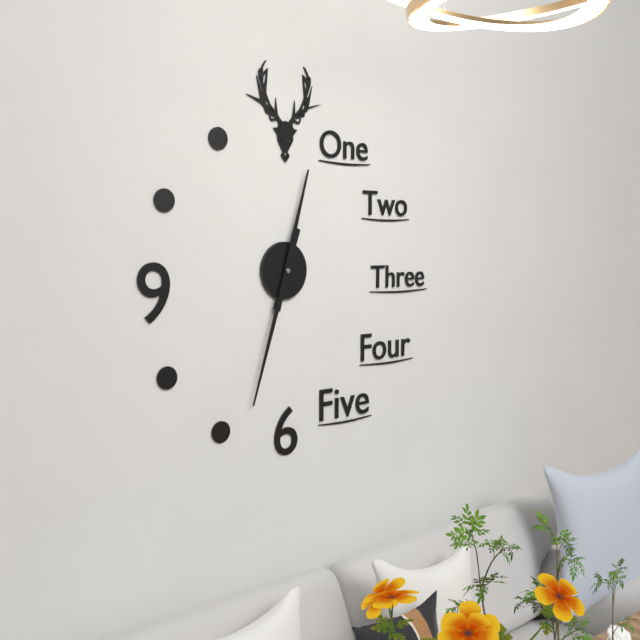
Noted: **12:33**
